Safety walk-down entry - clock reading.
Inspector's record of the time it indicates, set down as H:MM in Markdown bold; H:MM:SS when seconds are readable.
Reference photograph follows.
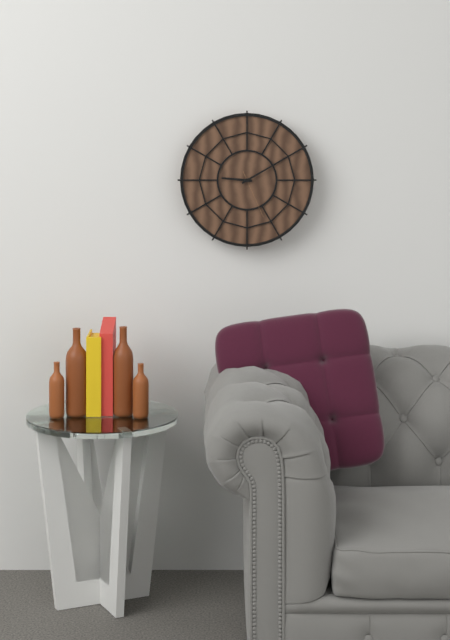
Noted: **9:10:26**
